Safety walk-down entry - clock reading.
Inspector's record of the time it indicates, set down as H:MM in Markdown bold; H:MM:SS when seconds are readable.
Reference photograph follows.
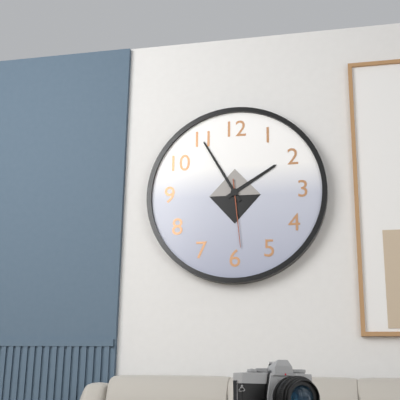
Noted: **1:55:29**
